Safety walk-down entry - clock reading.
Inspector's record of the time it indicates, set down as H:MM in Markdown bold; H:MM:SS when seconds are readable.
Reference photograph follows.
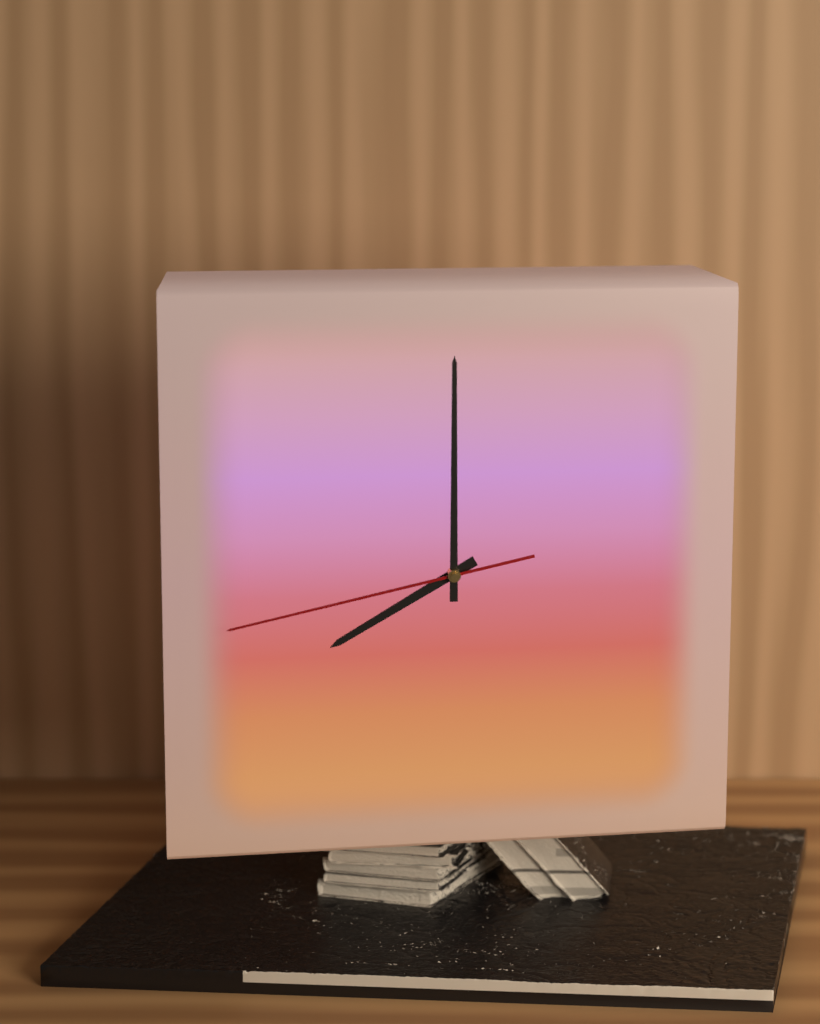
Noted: **8:00:43**
